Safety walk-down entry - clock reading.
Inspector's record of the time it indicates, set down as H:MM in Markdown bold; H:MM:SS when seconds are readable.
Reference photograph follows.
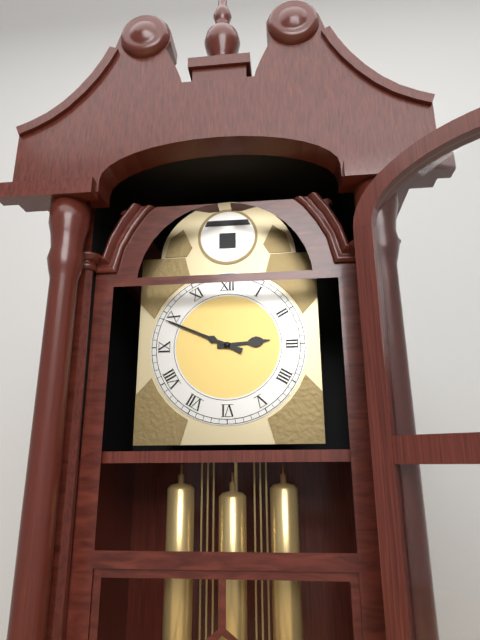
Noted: **2:49**
